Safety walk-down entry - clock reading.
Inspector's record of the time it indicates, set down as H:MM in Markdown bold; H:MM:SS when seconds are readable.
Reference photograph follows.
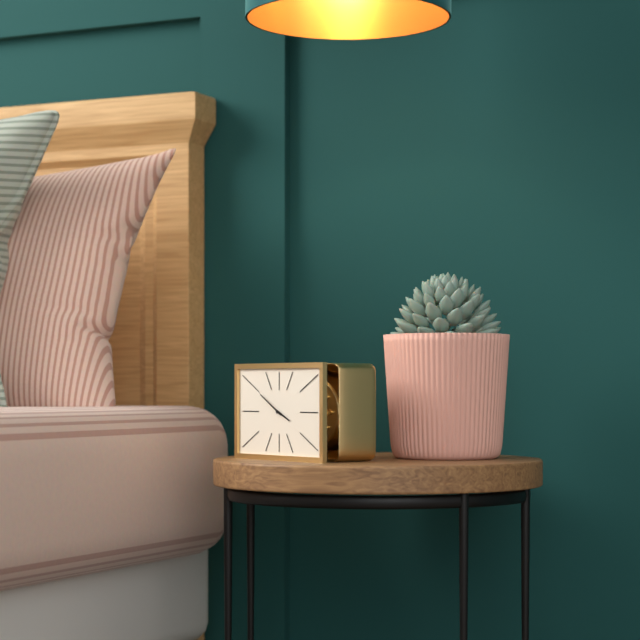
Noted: **3:50**
